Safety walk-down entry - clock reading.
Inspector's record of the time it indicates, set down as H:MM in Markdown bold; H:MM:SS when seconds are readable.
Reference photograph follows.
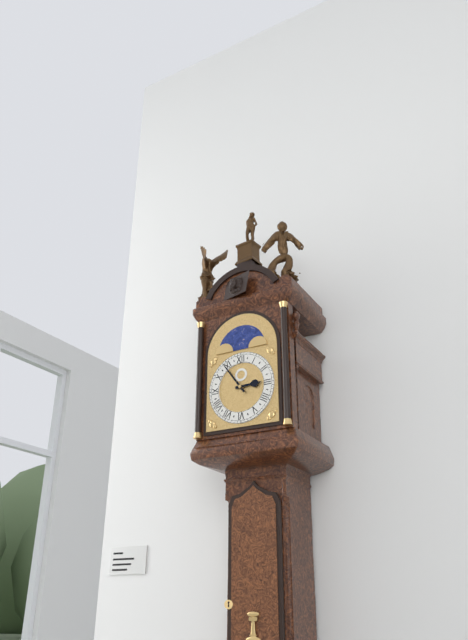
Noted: **2:54**
